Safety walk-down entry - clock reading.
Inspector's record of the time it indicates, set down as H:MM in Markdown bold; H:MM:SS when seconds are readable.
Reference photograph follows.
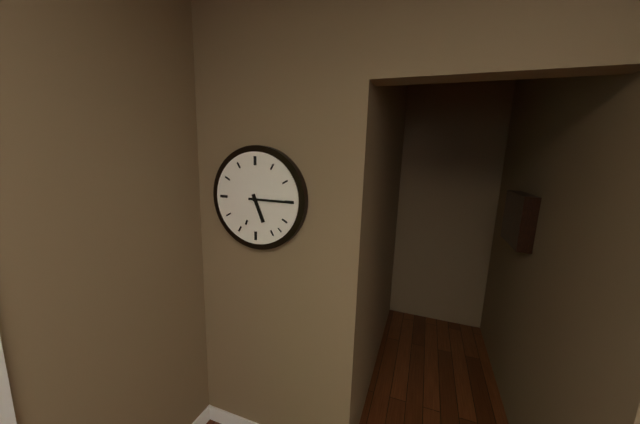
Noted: **5:15**
